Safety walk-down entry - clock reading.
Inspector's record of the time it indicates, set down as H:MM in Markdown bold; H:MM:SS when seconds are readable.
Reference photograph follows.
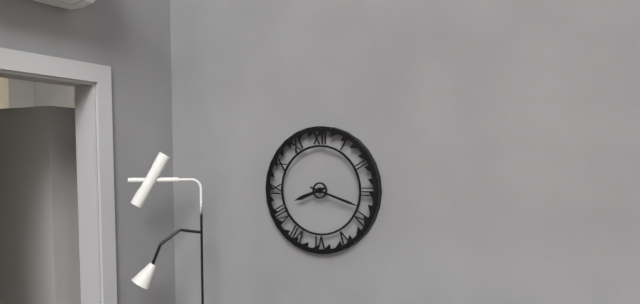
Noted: **8:18**
